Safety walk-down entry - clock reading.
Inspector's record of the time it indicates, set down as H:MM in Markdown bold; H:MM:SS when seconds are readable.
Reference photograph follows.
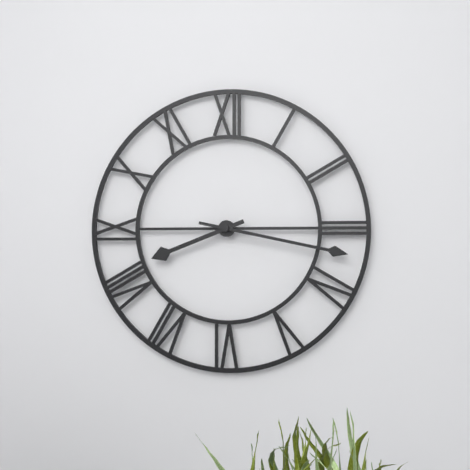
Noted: **8:17**
